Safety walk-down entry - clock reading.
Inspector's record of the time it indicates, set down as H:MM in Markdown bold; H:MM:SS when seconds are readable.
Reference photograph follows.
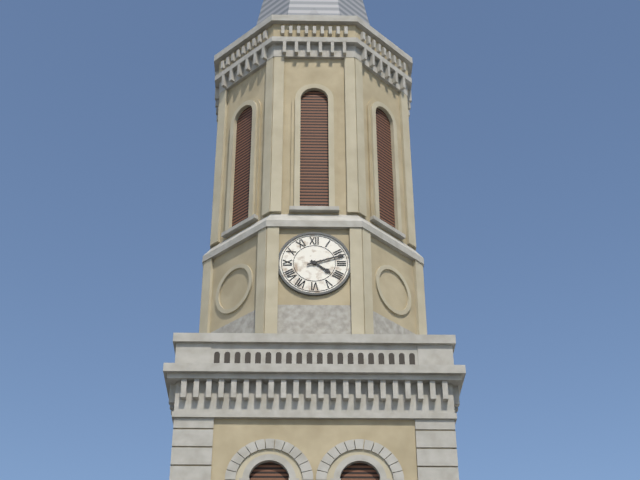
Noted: **4:12**
